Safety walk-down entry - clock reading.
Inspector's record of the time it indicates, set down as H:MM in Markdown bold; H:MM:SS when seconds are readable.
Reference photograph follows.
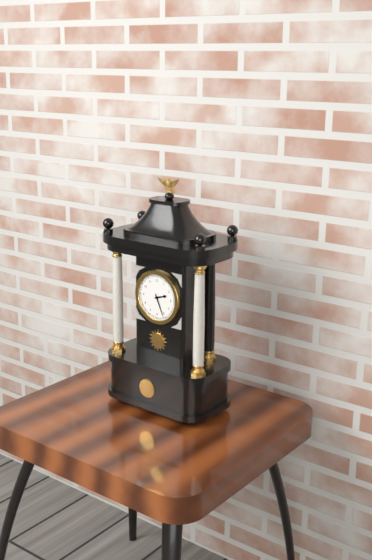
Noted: **2:26**
